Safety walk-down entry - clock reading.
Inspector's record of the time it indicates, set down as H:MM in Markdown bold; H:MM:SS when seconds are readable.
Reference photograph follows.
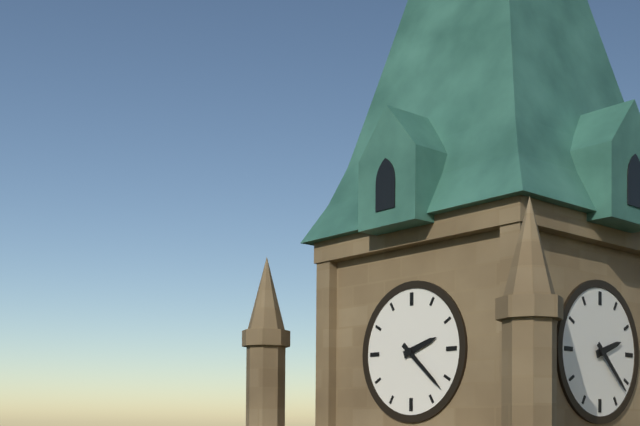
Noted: **2:22**
